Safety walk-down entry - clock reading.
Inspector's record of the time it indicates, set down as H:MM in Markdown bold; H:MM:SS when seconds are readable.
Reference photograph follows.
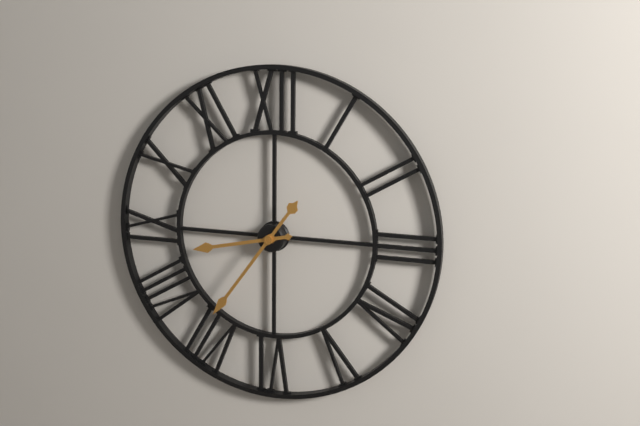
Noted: **8:36**
